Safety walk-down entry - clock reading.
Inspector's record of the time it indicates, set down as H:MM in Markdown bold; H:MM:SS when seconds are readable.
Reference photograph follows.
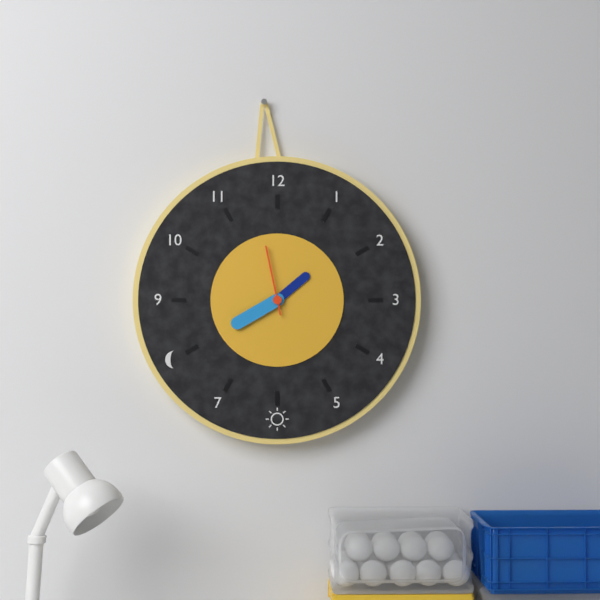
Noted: **1:40:58**
